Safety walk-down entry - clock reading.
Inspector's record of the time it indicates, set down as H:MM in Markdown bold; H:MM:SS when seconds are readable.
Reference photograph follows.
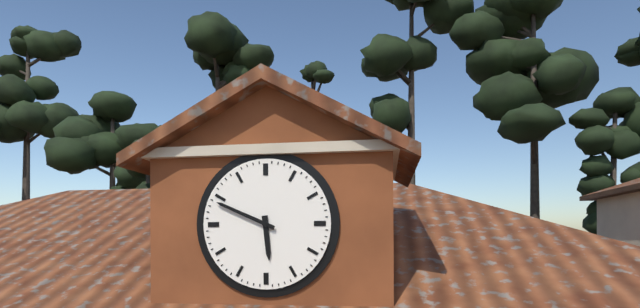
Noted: **5:49**
